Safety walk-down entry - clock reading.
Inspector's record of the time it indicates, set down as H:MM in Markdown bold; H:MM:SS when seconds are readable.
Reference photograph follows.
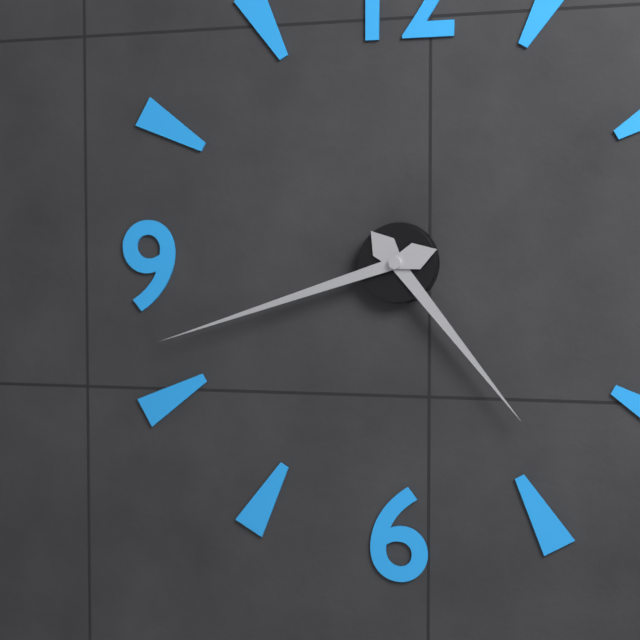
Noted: **4:42**
